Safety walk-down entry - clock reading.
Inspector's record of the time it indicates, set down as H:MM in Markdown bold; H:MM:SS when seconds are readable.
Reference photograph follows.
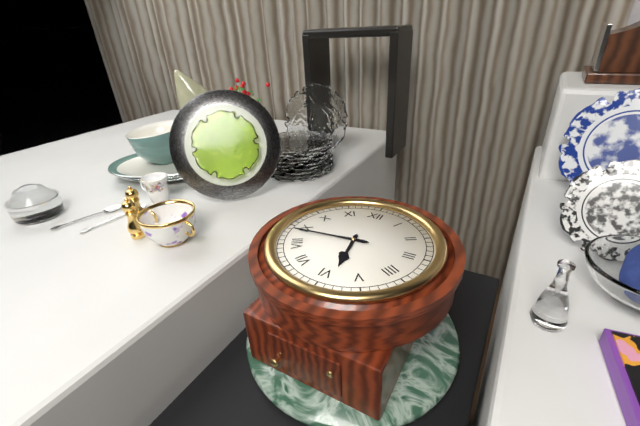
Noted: **5:44**
